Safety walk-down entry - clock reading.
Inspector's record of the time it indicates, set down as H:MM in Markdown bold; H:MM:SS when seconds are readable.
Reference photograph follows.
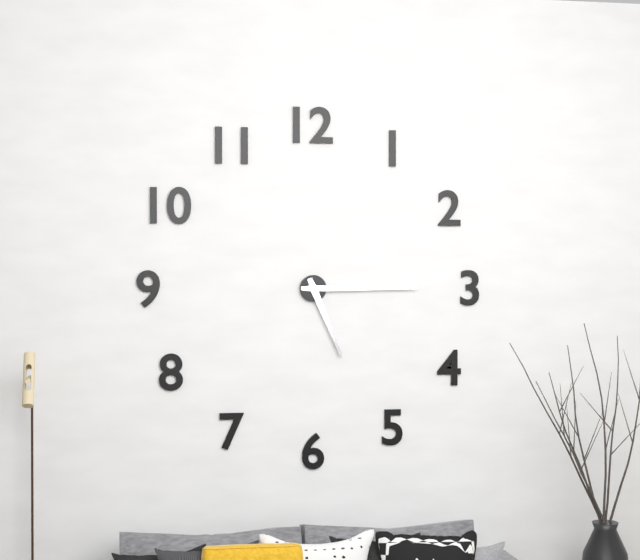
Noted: **5:15**
